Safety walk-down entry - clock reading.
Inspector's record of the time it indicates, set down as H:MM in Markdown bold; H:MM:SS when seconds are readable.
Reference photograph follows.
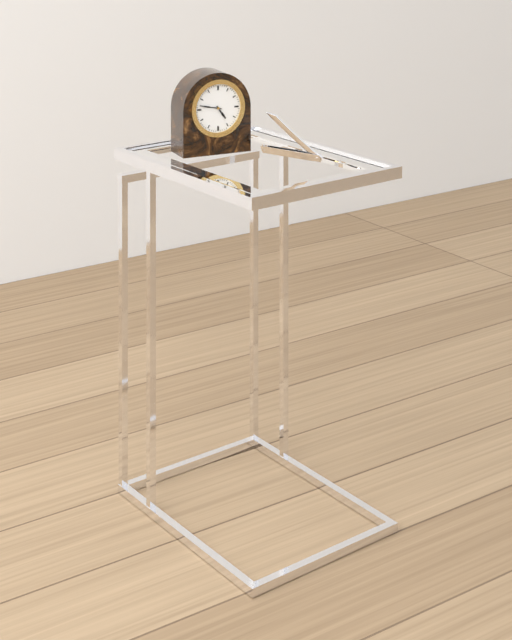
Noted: **4:47**
